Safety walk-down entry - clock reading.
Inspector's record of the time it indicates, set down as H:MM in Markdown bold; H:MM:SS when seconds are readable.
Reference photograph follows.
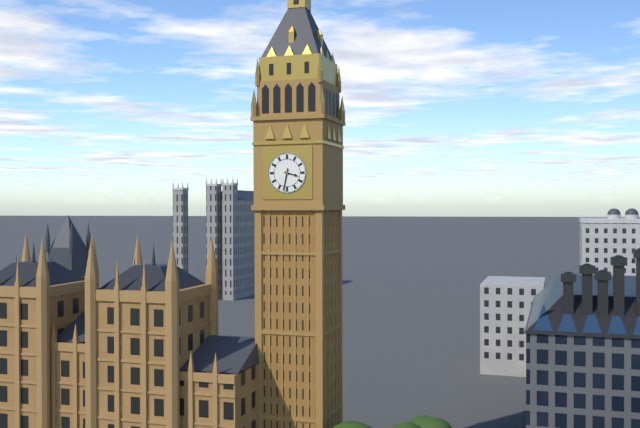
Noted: **3:32**
